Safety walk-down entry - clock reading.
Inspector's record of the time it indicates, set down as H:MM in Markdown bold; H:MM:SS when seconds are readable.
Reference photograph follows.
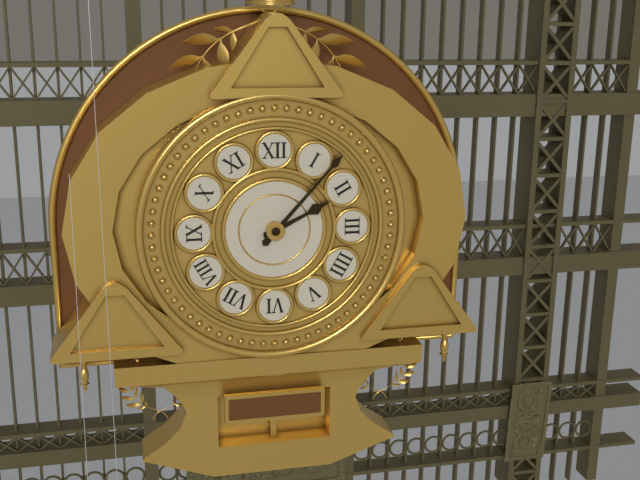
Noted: **2:07**
